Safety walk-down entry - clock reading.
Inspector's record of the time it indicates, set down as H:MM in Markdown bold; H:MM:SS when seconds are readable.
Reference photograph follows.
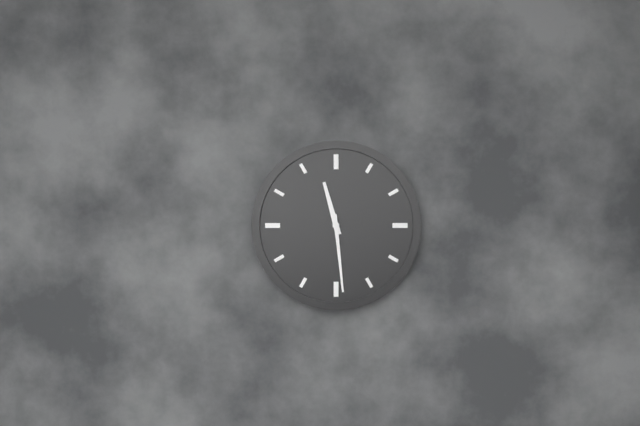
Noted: **11:29**
